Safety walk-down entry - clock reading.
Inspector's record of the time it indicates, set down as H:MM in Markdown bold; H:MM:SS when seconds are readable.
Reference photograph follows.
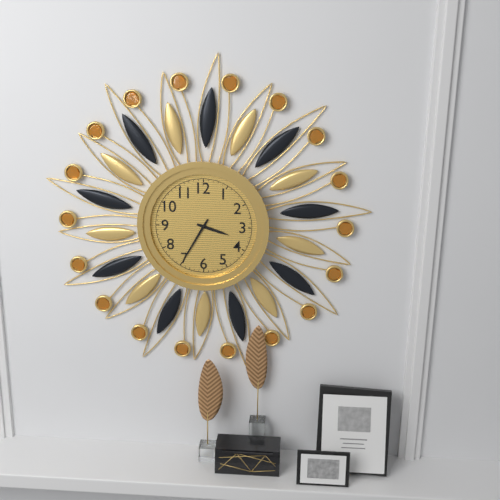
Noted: **3:35**
